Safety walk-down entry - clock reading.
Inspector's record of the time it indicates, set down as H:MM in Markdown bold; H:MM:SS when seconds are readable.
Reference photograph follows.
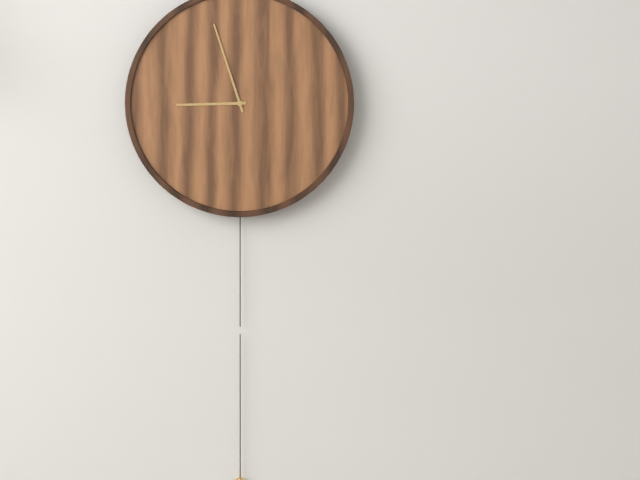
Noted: **8:57**
